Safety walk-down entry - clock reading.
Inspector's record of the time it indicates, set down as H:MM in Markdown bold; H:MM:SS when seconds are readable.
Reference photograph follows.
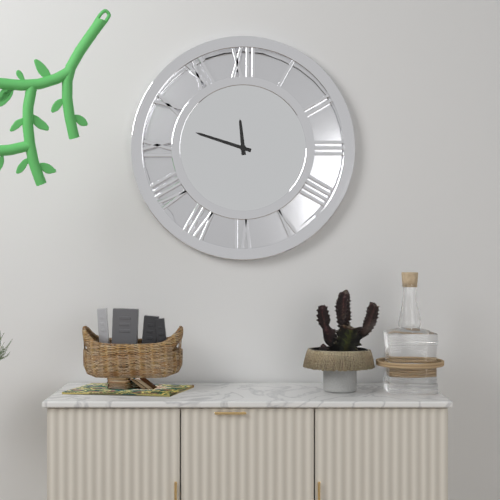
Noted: **11:48**
